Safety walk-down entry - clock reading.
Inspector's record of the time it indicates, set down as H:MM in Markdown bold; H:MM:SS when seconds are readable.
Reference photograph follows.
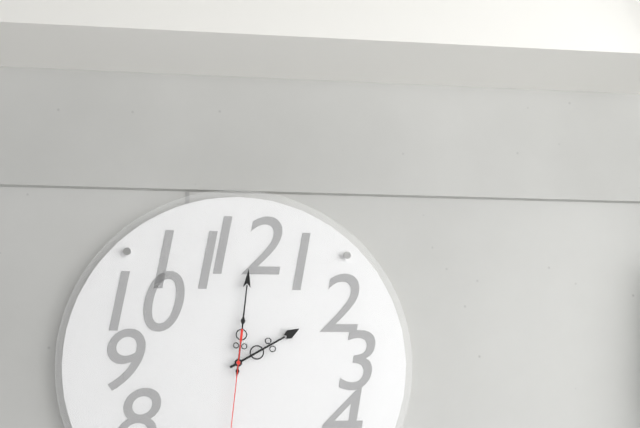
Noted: **2:01**
